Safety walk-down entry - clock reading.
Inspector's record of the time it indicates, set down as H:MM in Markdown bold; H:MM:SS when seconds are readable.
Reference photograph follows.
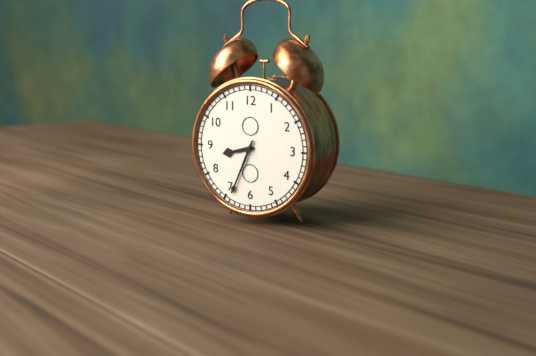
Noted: **8:34**
